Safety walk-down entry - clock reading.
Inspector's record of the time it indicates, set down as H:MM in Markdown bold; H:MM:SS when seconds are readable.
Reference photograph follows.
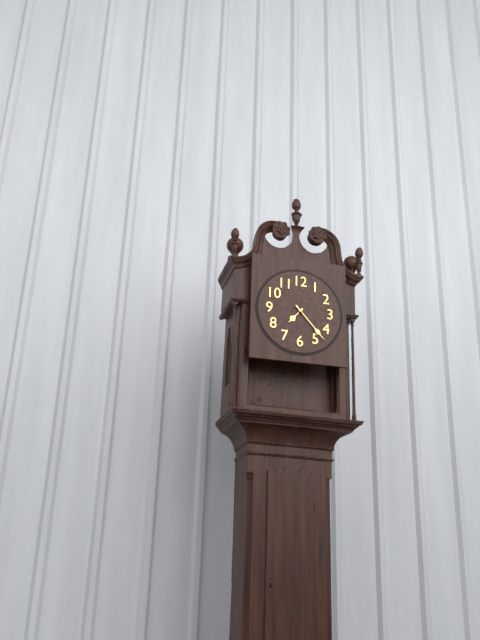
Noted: **7:23**
